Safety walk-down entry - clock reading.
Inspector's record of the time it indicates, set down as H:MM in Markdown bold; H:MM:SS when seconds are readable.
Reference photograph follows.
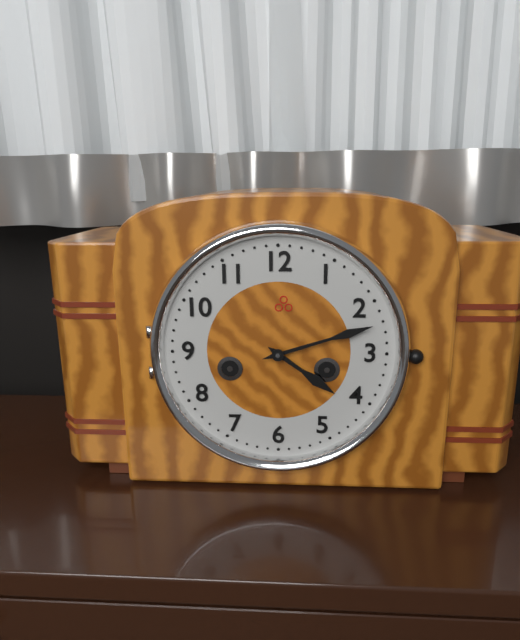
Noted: **4:12**
